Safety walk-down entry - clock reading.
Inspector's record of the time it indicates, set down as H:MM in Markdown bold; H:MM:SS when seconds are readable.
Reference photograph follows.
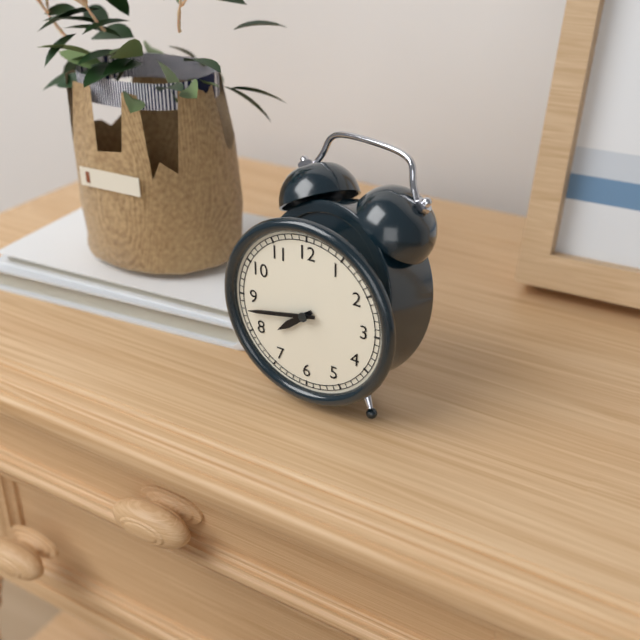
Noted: **7:43**
